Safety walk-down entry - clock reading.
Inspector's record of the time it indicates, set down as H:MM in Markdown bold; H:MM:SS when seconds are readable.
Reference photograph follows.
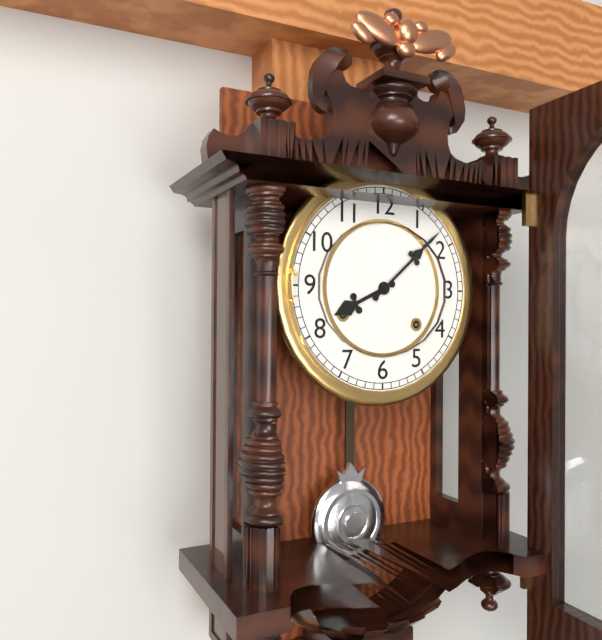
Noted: **8:08**
